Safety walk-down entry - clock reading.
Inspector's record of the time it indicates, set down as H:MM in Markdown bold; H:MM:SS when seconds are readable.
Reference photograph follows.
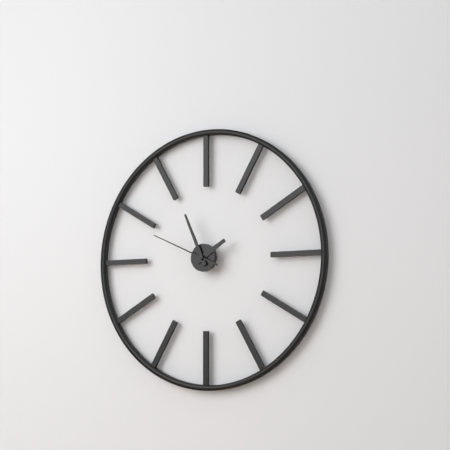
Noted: **1:56:49**
